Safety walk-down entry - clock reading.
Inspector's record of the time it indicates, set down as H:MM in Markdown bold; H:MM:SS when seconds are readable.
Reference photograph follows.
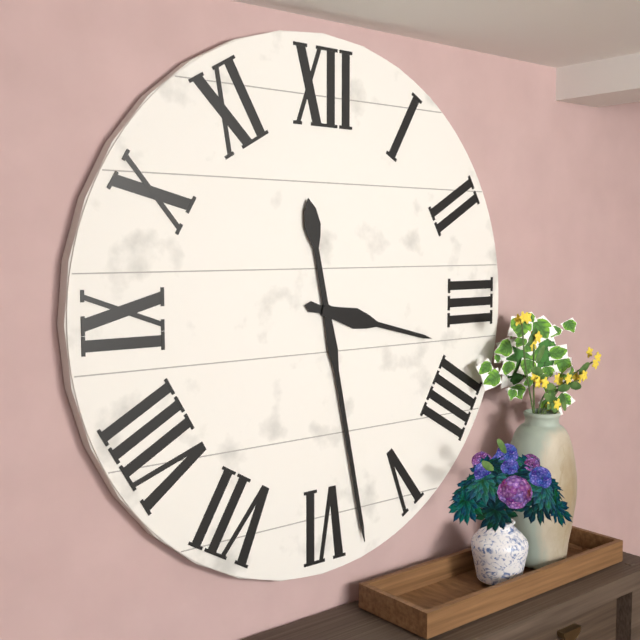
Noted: **3:28**
